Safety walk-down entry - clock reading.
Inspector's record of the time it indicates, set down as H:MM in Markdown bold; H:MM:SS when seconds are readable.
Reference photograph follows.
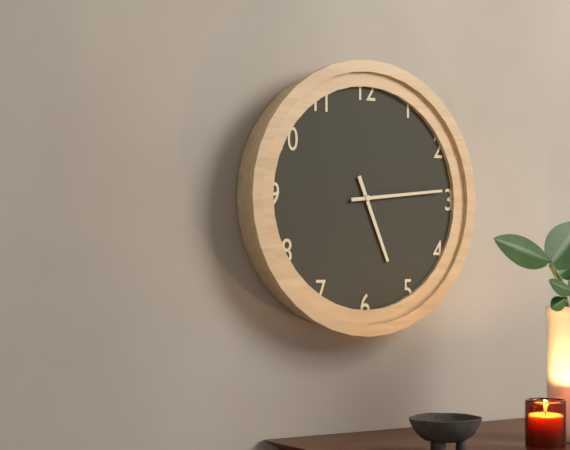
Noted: **5:14**
